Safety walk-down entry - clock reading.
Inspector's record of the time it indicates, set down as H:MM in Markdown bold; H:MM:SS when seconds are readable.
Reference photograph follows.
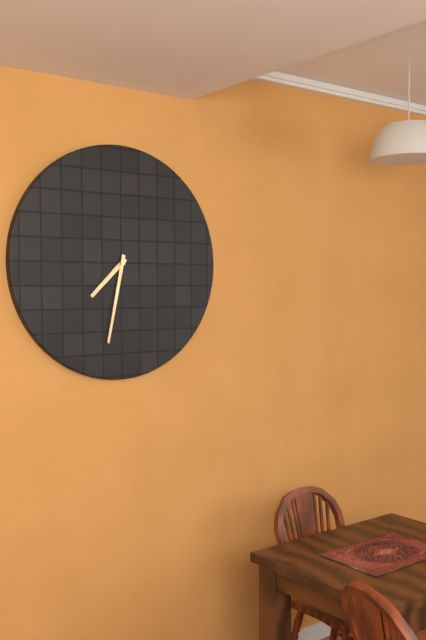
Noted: **7:32**
